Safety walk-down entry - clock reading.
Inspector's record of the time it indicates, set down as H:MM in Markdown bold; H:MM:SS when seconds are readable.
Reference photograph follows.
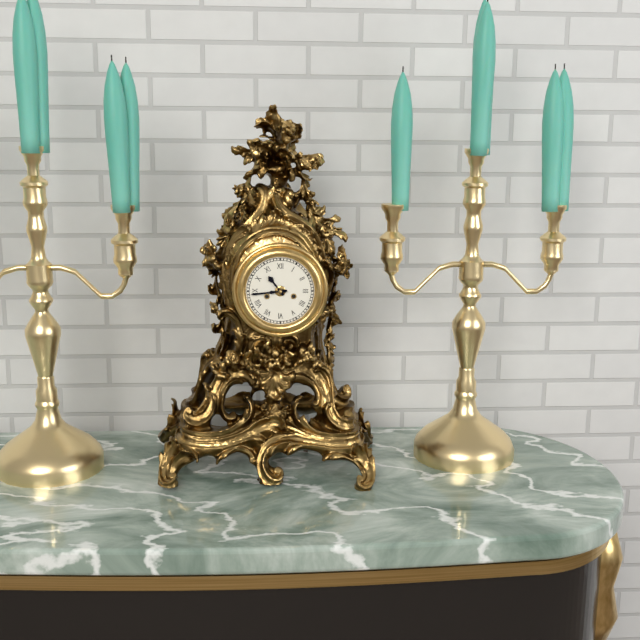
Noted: **10:44**
